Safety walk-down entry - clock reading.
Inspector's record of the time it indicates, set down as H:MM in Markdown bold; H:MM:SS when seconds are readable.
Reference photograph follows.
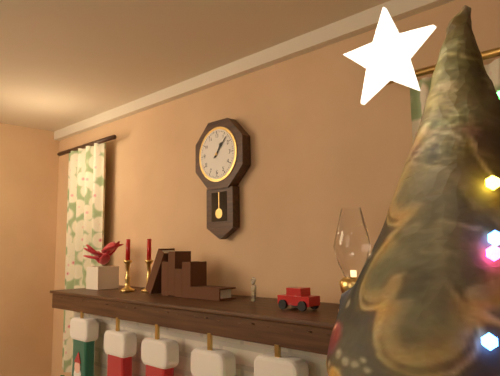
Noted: **1:07**
